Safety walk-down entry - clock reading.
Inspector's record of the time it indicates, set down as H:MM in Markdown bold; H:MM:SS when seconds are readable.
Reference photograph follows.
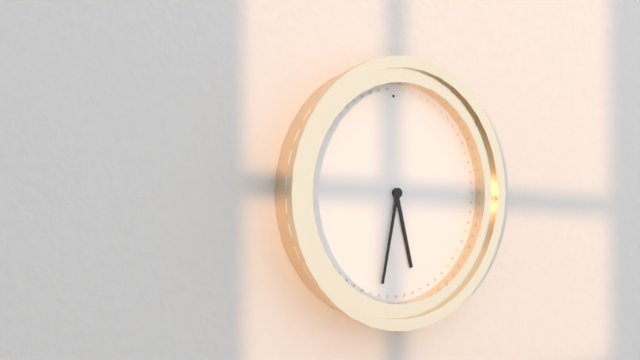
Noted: **5:32**
